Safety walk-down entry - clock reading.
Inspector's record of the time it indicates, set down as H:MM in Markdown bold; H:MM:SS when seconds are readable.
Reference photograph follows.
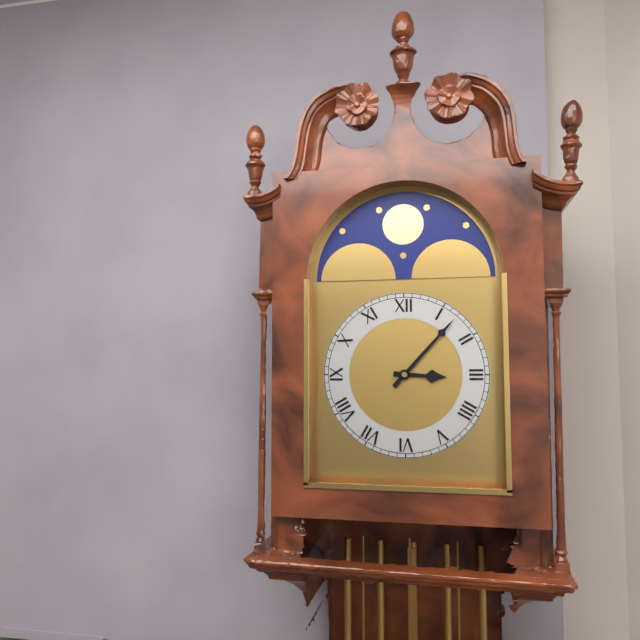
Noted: **3:07**
